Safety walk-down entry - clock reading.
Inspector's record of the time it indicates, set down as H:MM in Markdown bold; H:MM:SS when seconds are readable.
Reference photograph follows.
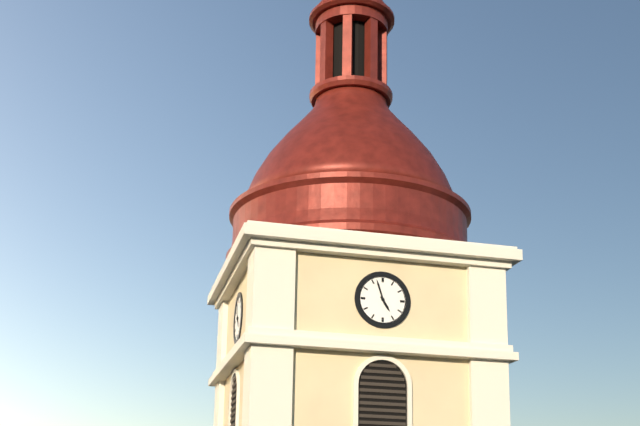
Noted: **4:57**
